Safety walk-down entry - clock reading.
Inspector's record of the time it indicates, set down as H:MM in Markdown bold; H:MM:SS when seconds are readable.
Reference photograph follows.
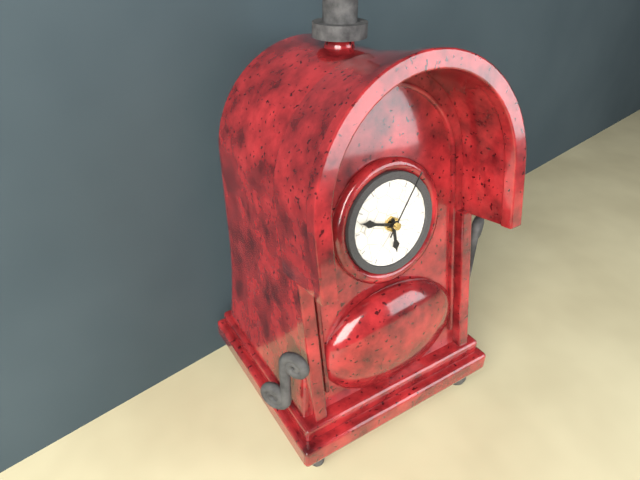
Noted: **5:48:06**
